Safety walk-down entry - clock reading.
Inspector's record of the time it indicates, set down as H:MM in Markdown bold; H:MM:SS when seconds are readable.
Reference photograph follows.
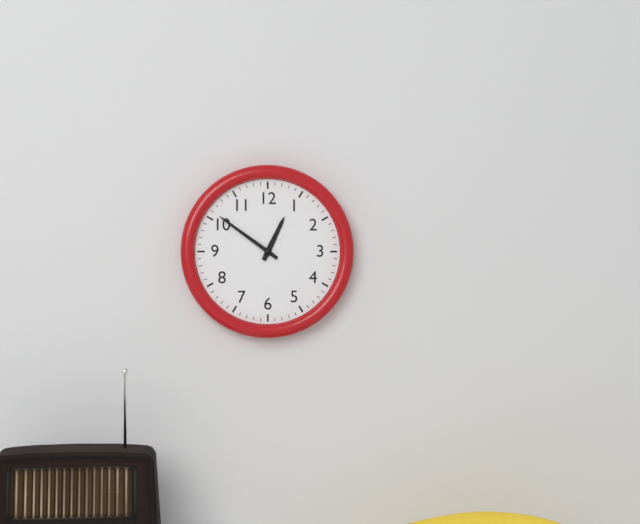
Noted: **12:51**
